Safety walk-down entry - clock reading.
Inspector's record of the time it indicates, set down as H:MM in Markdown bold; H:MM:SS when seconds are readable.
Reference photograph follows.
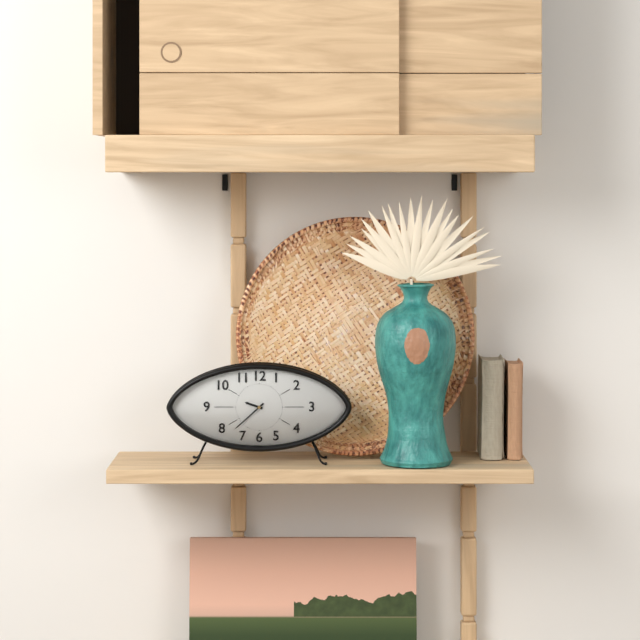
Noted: **9:38**
